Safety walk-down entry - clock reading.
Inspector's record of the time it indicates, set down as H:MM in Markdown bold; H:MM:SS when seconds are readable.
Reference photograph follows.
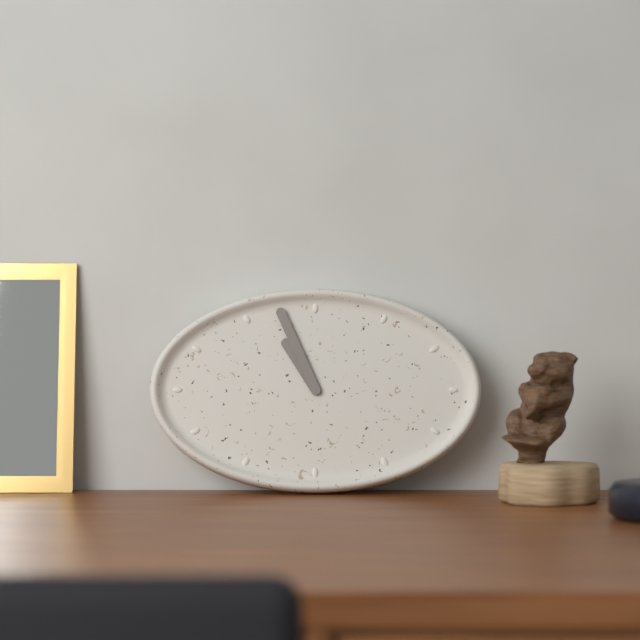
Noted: **10:56**
